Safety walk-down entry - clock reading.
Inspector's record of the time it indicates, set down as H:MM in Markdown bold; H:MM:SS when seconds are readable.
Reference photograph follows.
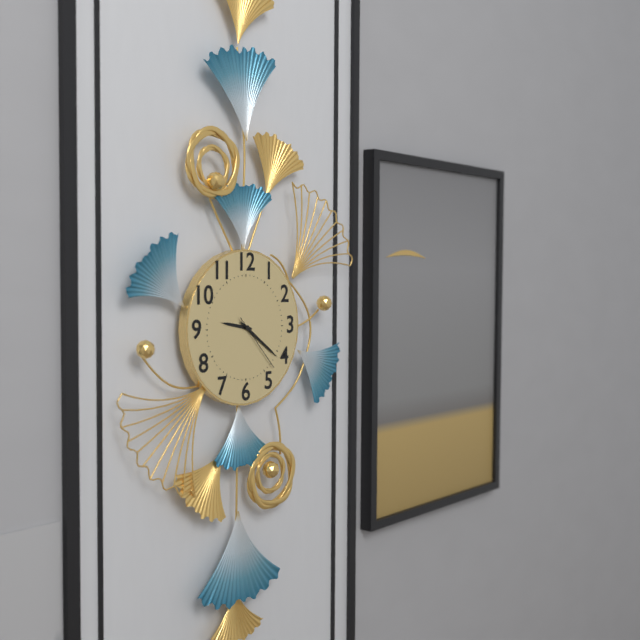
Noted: **9:21:23**
